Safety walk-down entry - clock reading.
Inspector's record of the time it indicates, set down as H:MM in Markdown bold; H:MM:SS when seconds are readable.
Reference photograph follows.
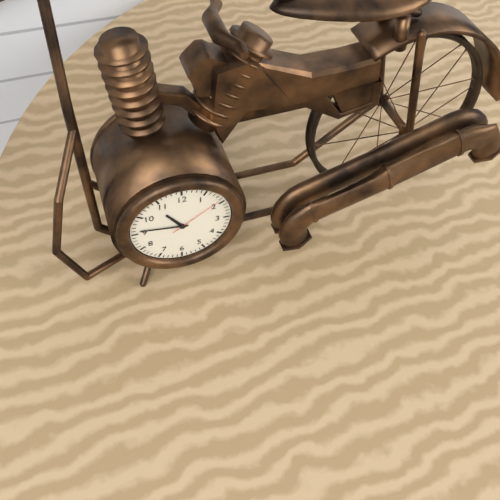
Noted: **10:46:09**
